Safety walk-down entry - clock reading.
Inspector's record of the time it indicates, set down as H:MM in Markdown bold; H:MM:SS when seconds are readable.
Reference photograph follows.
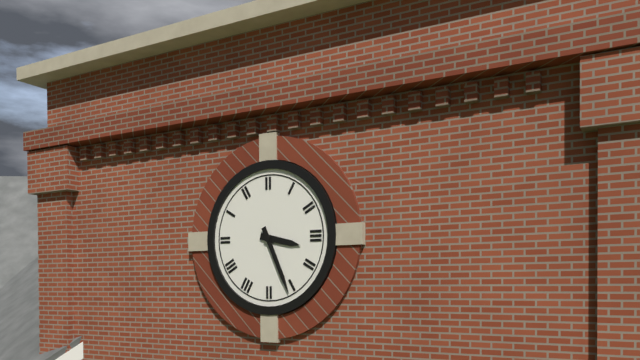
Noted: **3:26**
